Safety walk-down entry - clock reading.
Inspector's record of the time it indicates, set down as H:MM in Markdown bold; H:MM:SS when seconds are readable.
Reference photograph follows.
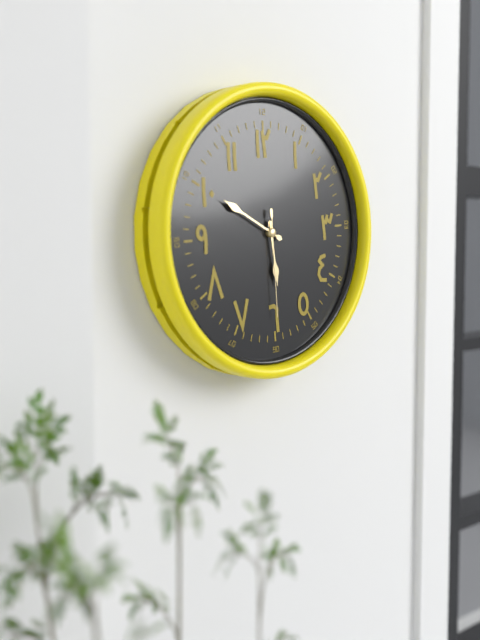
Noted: **5:50:30**
